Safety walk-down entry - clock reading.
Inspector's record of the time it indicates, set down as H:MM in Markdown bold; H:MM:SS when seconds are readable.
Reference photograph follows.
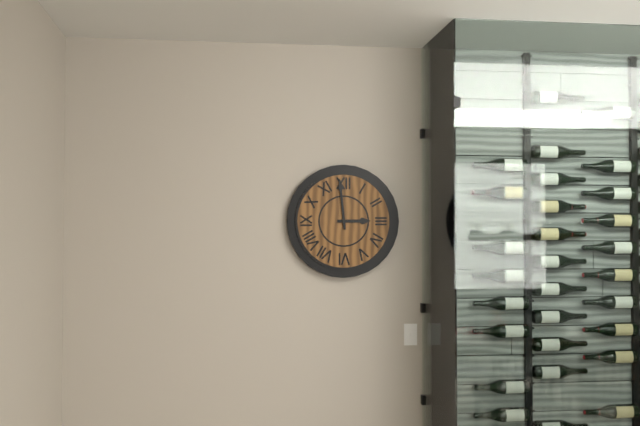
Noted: **2:59**
